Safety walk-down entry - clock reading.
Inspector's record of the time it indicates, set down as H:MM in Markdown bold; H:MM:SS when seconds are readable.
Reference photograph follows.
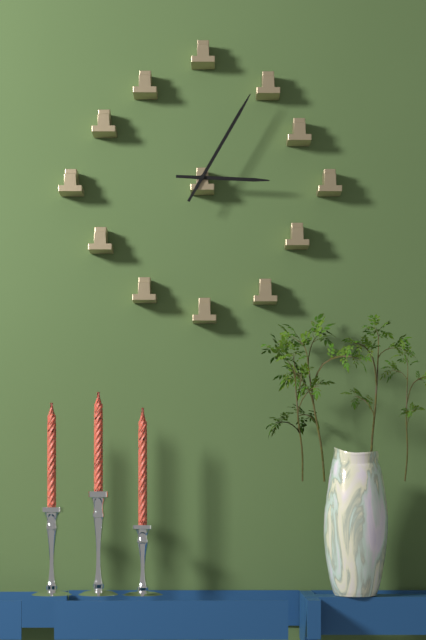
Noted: **3:05**
